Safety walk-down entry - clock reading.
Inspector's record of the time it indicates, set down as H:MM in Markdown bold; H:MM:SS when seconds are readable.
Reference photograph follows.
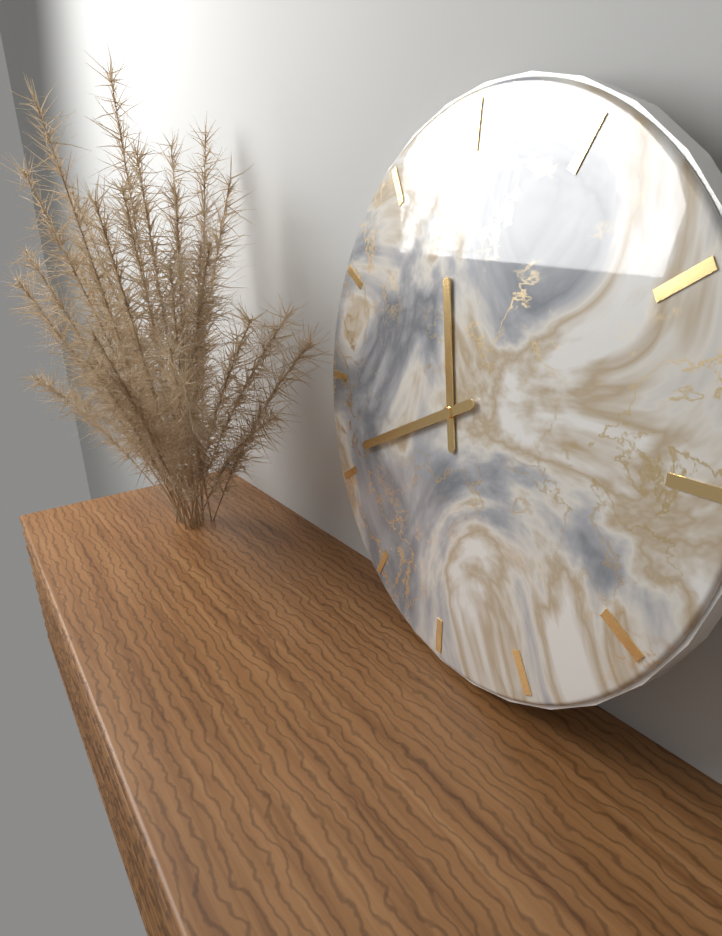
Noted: **11:41**
